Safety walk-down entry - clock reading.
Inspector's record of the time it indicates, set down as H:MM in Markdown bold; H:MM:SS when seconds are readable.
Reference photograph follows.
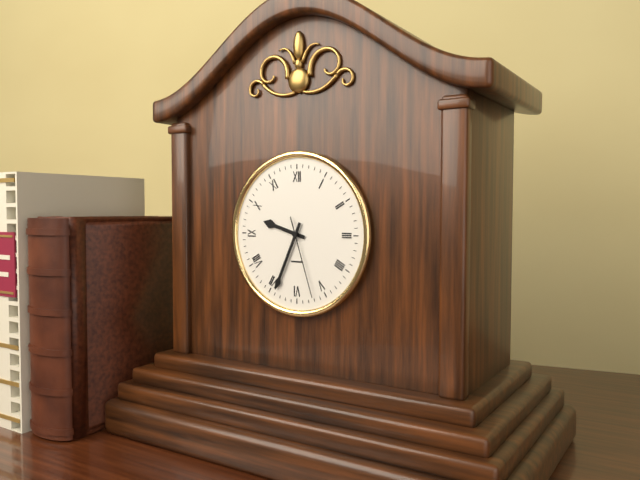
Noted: **9:34:27**
